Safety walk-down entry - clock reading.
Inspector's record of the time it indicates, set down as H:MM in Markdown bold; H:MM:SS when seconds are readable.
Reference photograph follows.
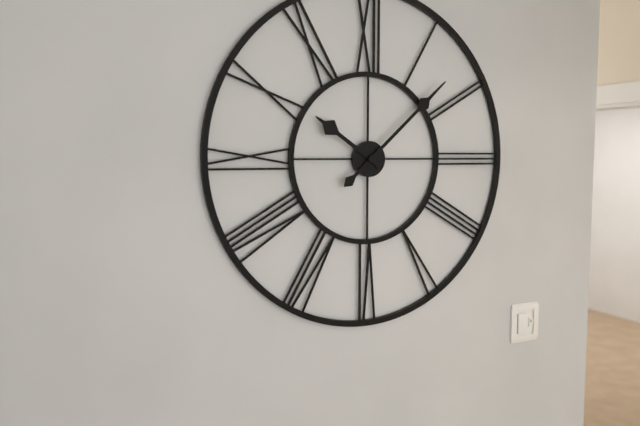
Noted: **10:08**
